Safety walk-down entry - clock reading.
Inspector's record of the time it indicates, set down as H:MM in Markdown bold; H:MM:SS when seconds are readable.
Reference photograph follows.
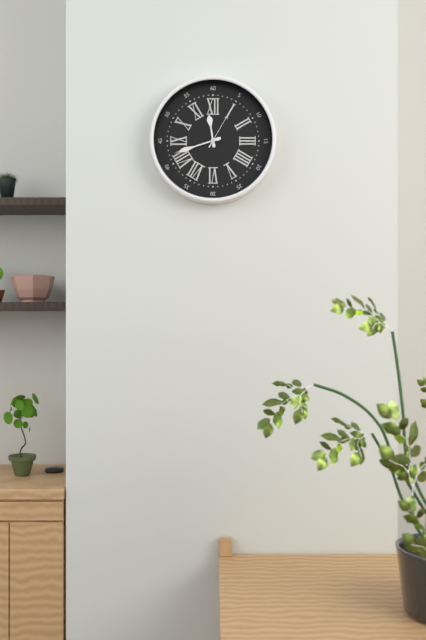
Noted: **11:42**
